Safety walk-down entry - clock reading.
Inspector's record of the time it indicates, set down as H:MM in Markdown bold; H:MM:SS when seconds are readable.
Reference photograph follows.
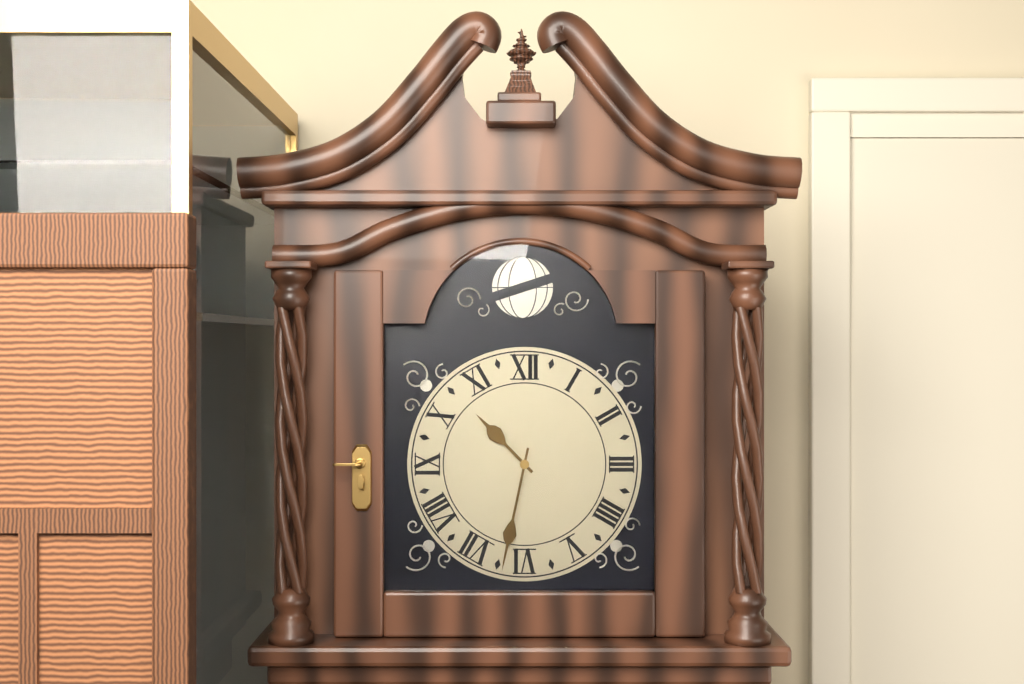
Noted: **10:32**
